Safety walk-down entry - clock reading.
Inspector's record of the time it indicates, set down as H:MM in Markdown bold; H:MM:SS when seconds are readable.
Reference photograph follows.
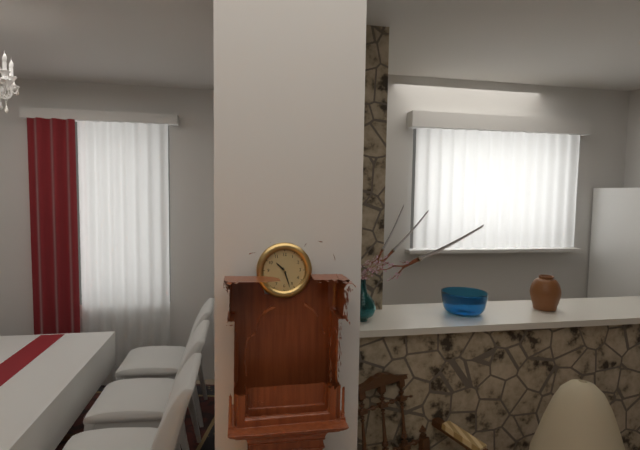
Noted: **10:27**
